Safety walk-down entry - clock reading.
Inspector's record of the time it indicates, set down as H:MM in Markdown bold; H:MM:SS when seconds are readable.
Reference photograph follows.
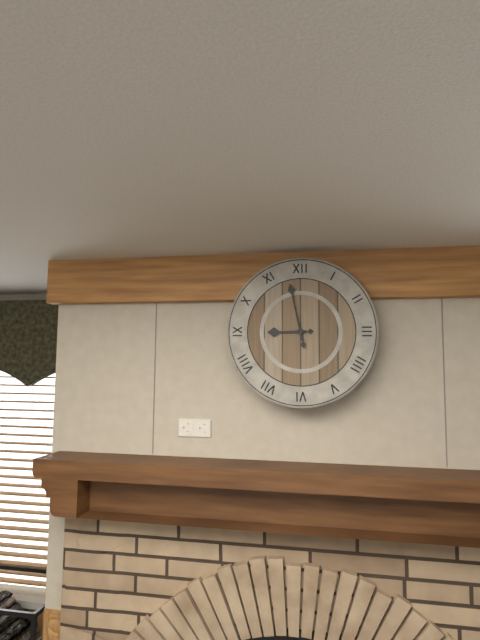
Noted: **8:58**
